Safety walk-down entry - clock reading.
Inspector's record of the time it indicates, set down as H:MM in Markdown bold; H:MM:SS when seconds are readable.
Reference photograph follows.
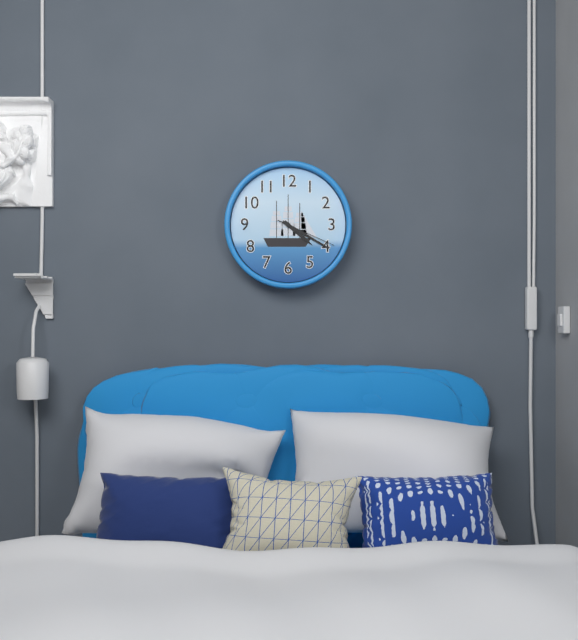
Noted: **4:20:19**
